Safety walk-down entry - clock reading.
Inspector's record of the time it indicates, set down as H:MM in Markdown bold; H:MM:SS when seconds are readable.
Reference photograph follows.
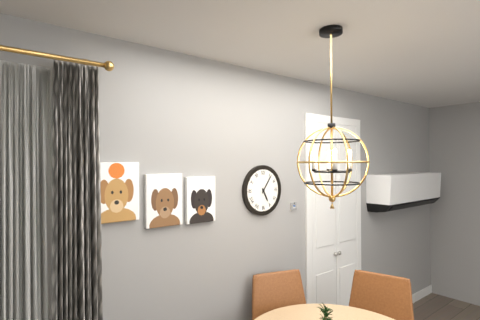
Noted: **5:06**
